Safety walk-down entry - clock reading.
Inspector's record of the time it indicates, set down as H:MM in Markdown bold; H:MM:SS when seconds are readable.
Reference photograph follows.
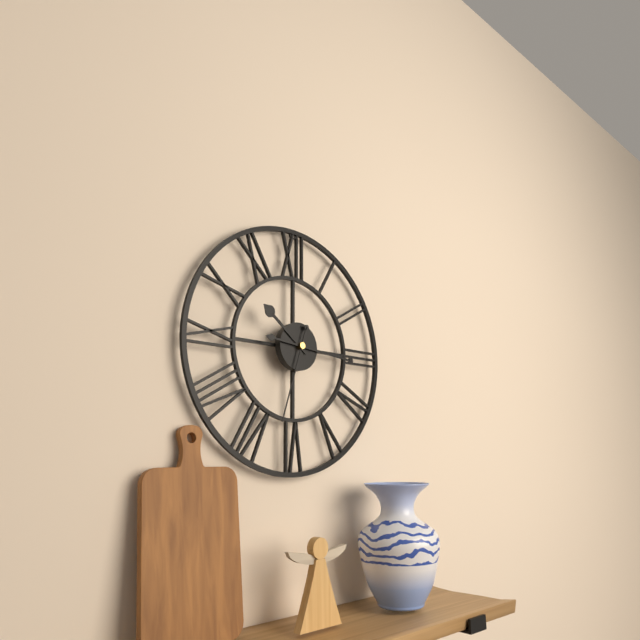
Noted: **10:16:33**
